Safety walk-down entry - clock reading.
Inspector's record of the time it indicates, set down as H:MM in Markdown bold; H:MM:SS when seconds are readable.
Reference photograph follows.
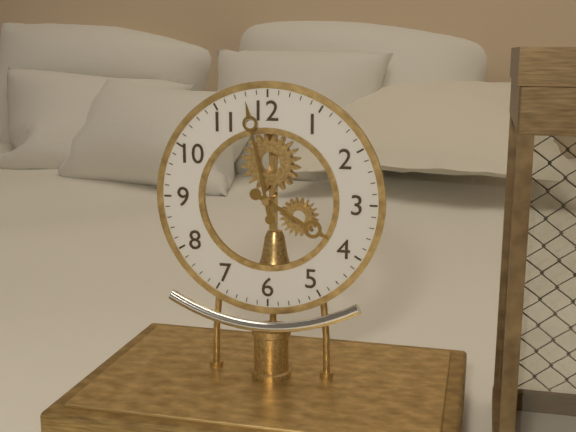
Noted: **3:58**
